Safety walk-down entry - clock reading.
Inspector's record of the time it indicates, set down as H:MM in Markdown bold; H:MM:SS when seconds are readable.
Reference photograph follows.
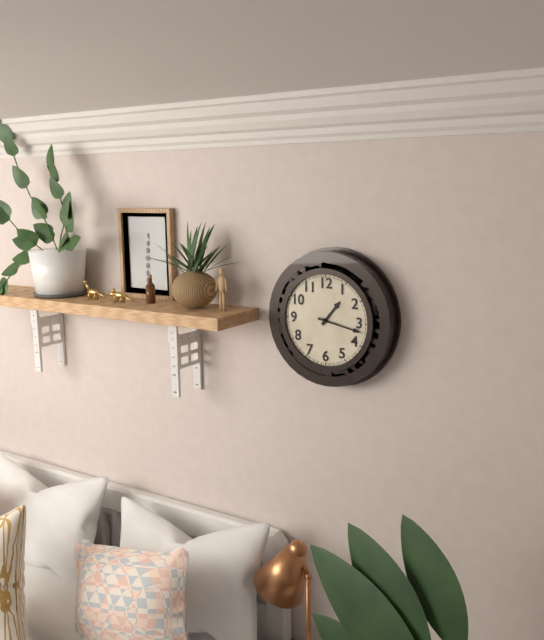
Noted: **1:17**
